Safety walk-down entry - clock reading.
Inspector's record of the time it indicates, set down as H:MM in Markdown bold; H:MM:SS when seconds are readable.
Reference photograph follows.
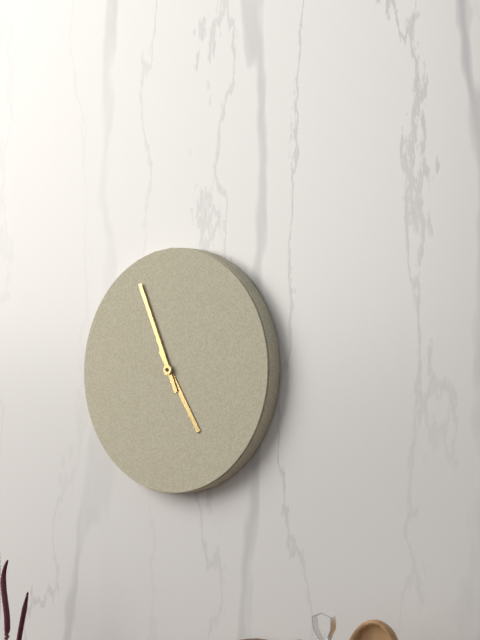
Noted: **4:56**
